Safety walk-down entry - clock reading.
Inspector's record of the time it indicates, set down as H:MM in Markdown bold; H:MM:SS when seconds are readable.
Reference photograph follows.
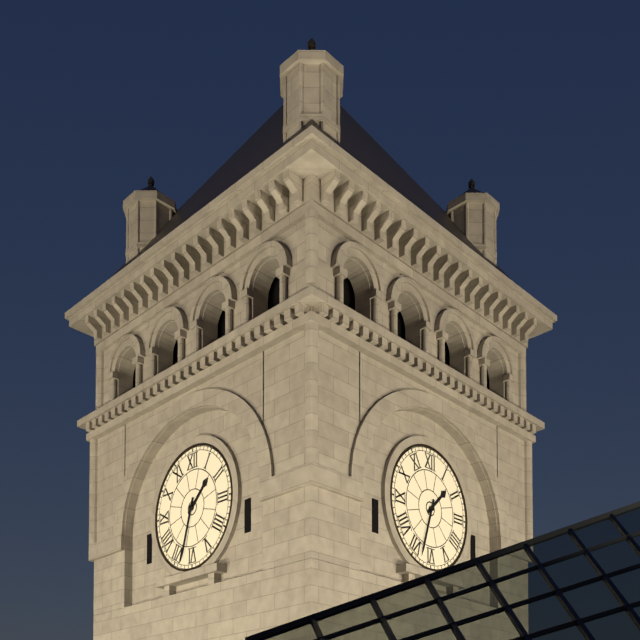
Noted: **1:33**
